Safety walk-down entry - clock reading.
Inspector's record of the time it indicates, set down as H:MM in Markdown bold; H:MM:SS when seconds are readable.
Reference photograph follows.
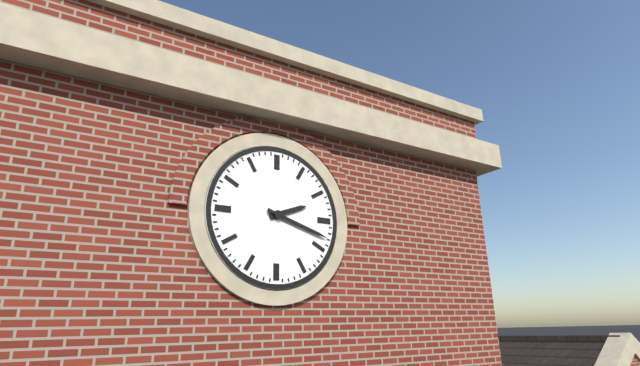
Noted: **2:18**
